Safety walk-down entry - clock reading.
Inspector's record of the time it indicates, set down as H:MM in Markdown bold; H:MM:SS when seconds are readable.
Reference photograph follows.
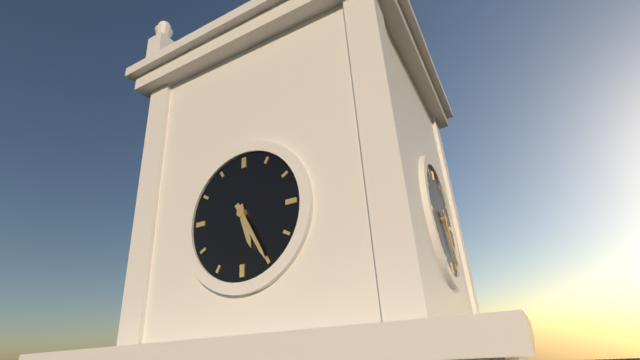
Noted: **5:25**
